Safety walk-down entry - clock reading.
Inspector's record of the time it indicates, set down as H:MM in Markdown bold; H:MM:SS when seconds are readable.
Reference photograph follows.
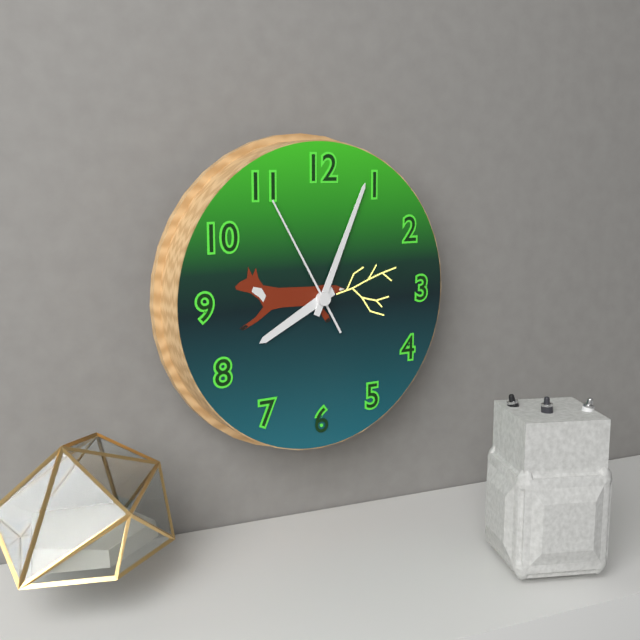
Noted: **8:04:55**
